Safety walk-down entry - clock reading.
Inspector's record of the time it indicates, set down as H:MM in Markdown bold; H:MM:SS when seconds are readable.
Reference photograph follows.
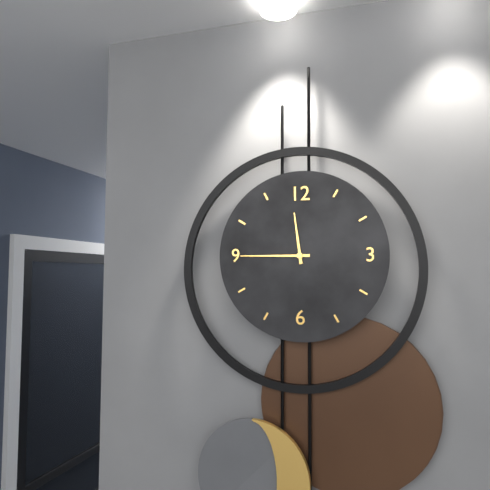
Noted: **11:45**
